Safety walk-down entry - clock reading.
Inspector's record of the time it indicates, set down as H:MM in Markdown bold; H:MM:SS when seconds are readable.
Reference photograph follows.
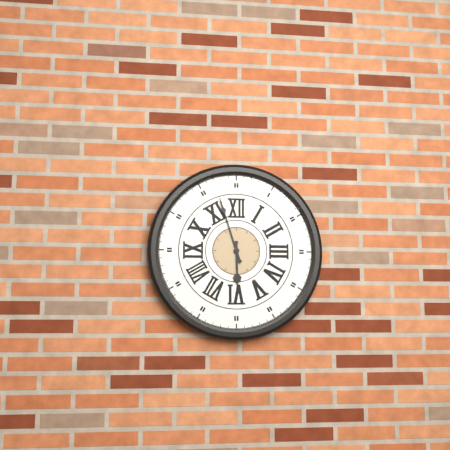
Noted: **5:57**
